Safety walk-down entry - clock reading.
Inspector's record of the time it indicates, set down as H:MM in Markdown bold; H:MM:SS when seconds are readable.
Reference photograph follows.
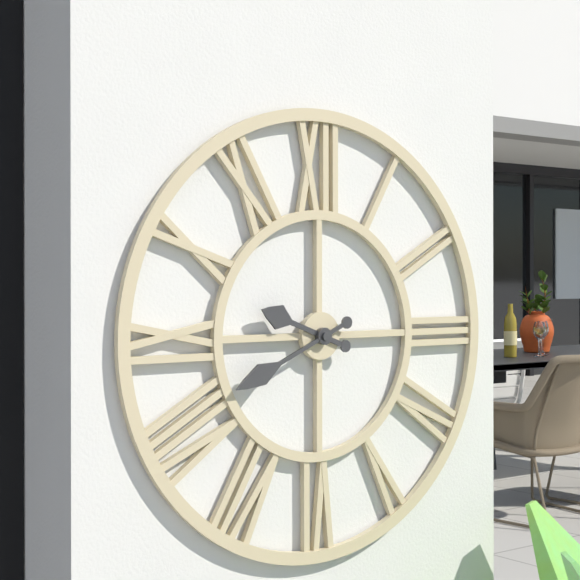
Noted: **9:41**
